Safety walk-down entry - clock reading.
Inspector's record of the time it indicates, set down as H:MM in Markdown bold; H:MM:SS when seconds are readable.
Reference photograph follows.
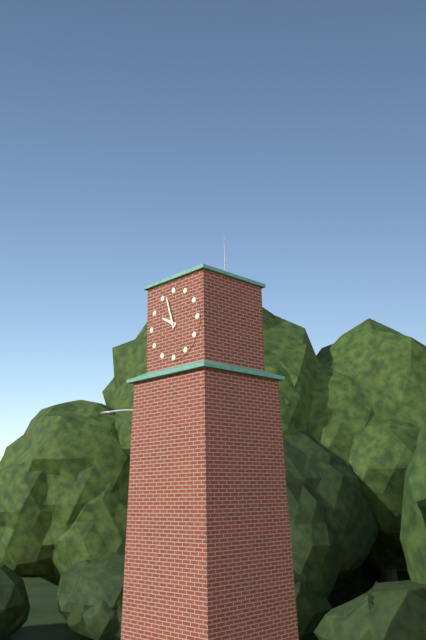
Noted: **9:57**
